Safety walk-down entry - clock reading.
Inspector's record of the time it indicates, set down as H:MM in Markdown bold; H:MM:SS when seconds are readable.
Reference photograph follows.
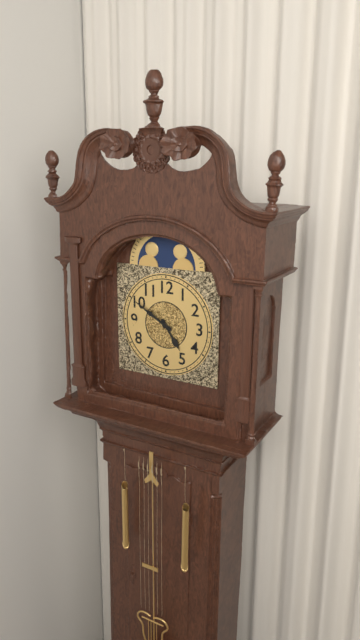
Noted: **4:50**
